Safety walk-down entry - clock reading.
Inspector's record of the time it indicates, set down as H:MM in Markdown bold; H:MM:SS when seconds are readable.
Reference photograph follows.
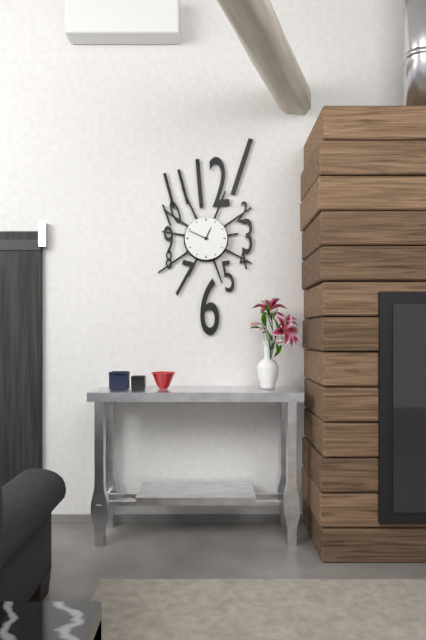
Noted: **12:49**
